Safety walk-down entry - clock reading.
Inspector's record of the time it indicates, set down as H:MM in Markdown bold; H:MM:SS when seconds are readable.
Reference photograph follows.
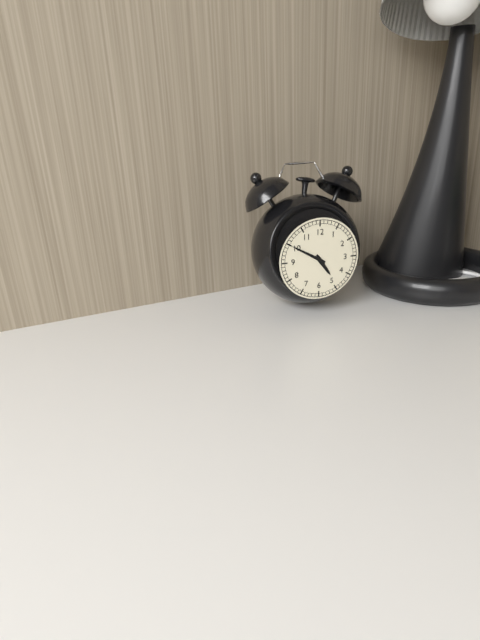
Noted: **4:50**
